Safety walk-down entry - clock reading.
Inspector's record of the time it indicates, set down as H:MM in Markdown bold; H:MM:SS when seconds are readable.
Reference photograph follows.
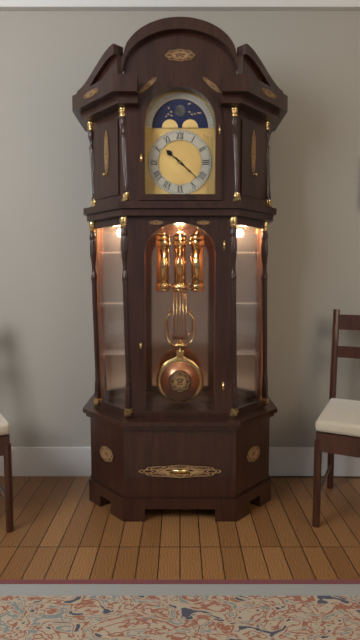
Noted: **10:22**
